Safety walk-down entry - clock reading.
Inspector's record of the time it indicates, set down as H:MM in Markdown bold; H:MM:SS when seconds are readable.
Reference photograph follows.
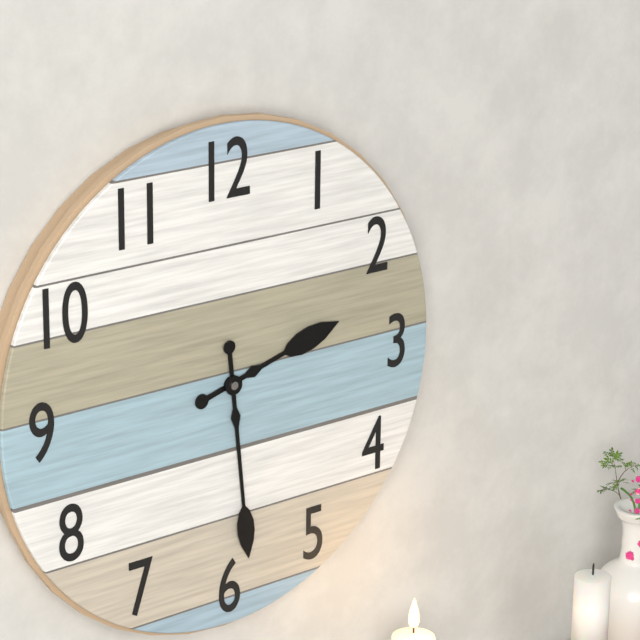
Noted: **2:29**
